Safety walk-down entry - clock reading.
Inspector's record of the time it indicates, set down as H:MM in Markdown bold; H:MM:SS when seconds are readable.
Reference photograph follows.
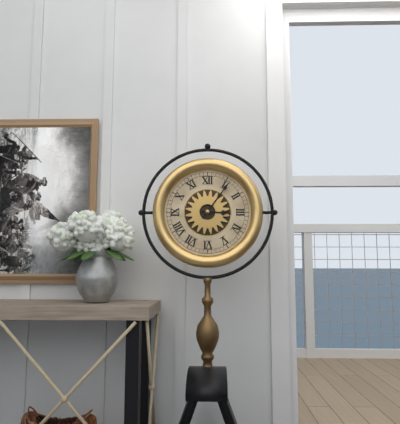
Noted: **3:06**
